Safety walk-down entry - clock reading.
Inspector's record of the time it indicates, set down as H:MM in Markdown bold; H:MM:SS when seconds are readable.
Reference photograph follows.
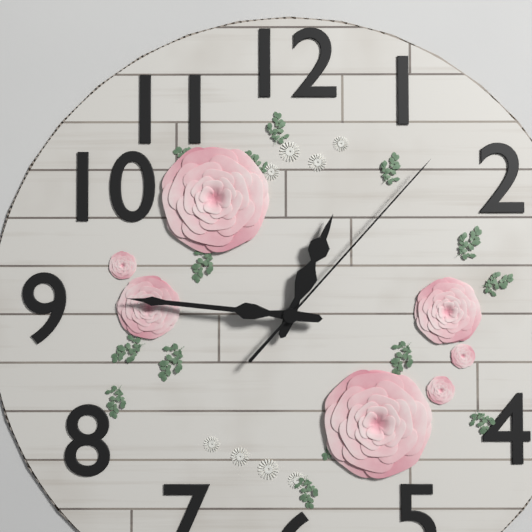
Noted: **12:46:07**
